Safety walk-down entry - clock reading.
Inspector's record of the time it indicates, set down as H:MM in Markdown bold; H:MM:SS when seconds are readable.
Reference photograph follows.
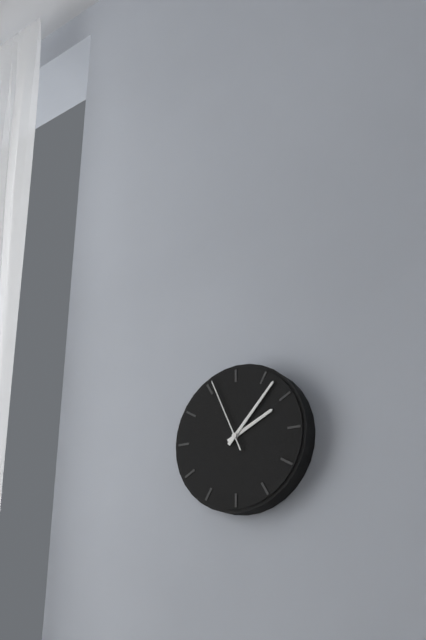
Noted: **2:07:56**
